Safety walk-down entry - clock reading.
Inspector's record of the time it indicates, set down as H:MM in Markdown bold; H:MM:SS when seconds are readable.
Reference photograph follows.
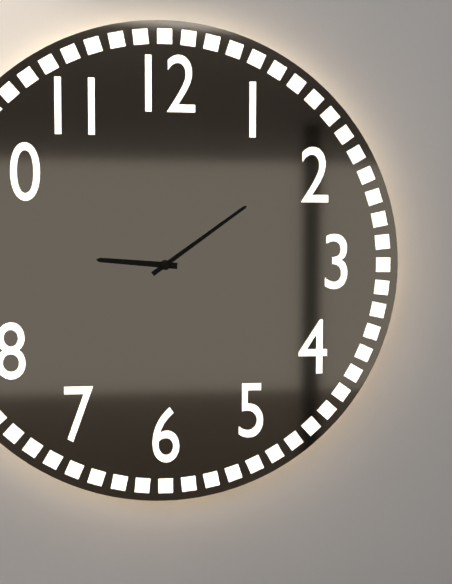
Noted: **9:09**
